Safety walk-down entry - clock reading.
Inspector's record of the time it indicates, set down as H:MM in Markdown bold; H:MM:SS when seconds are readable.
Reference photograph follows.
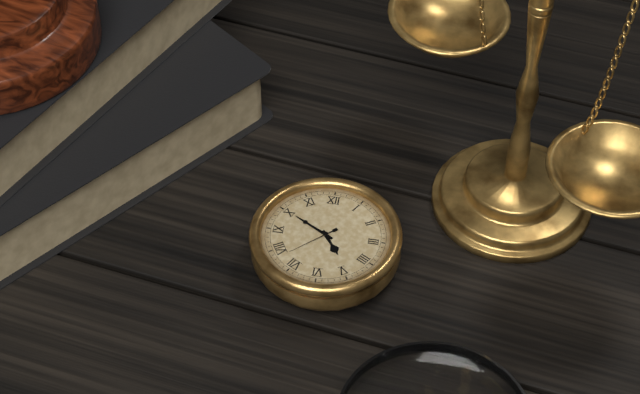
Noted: **4:50:38**
